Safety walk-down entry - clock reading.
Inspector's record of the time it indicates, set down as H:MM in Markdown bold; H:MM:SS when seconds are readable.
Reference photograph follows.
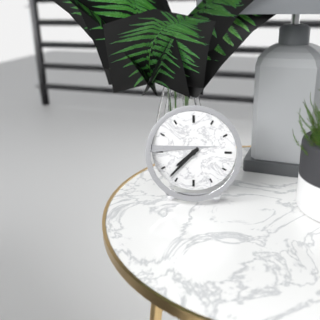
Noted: **7:37**
